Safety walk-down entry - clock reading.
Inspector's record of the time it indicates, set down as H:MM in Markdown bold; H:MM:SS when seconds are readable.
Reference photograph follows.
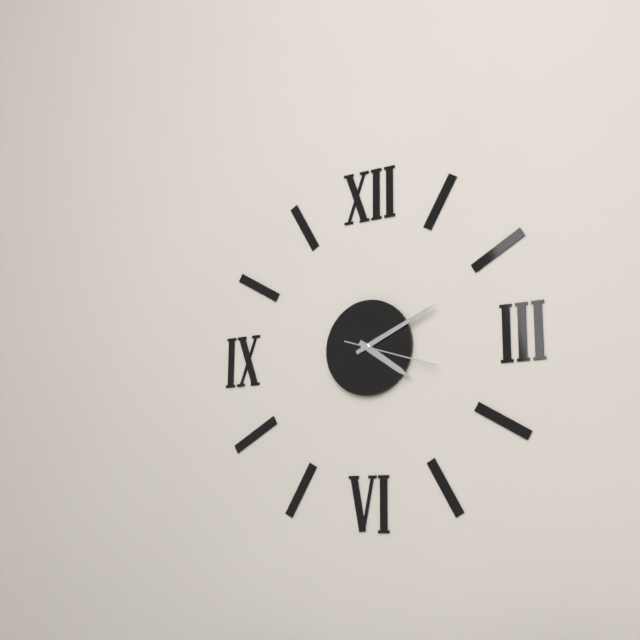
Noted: **4:11:18**
